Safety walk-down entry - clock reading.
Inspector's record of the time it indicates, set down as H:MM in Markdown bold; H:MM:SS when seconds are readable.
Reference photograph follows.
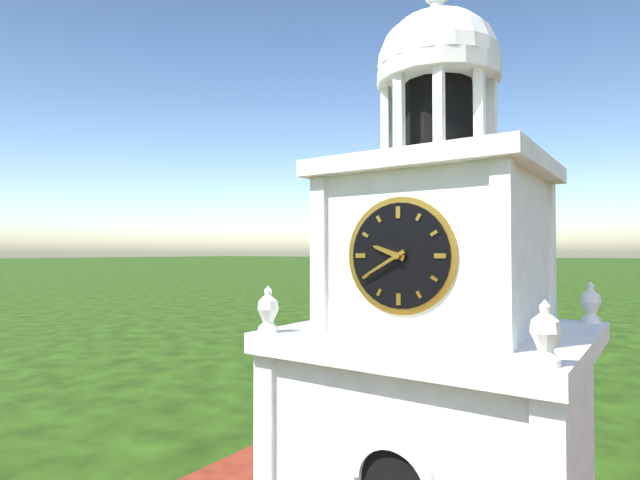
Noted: **9:40**
